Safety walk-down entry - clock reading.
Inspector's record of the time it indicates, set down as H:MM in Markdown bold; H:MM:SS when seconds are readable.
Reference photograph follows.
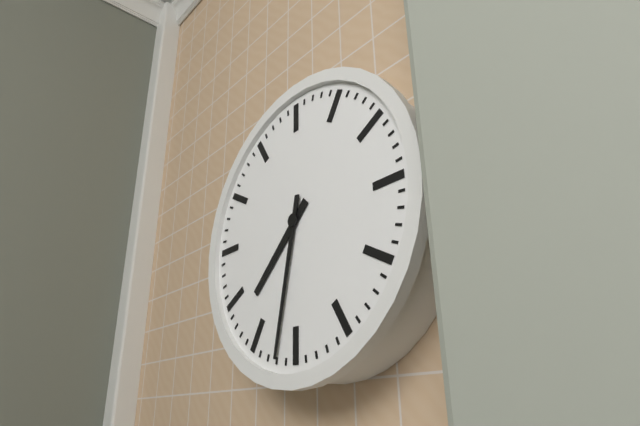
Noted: **7:32**
